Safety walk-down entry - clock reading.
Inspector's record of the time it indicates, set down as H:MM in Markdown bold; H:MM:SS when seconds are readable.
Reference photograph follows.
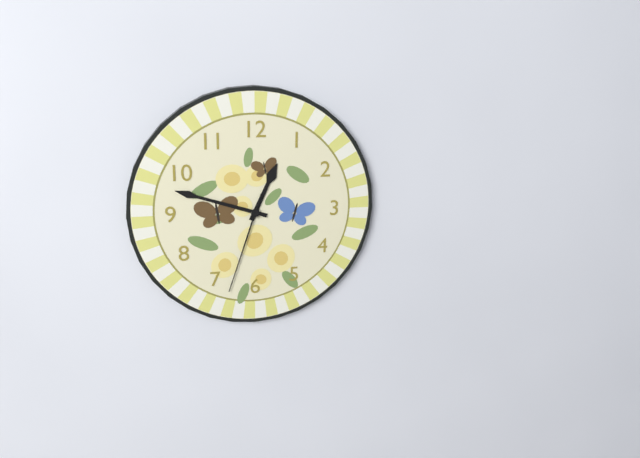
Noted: **12:48:33**
